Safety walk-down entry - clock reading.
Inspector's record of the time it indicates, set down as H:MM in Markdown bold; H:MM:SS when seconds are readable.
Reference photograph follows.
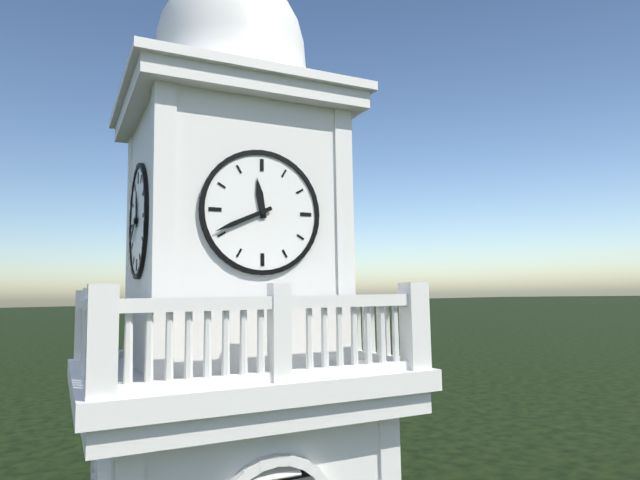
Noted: **11:41**
